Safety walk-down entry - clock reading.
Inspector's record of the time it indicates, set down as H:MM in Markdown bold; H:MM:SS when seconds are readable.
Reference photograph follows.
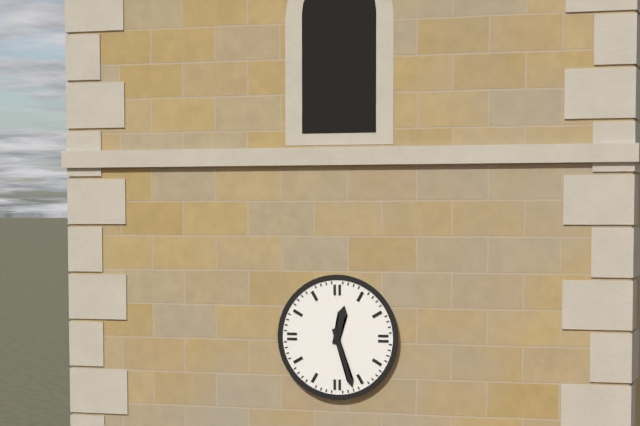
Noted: **12:27**
